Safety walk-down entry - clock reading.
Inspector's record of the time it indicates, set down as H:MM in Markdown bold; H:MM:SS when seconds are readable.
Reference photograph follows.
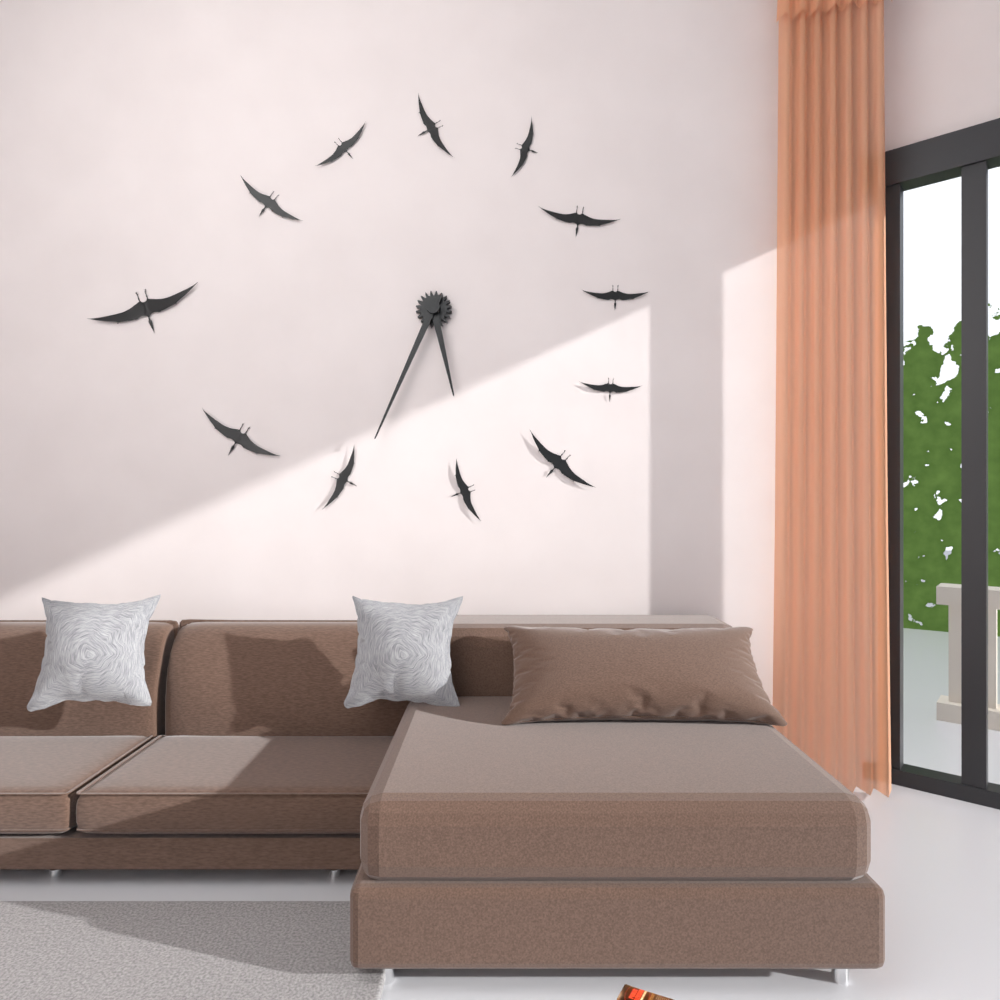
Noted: **5:34**
